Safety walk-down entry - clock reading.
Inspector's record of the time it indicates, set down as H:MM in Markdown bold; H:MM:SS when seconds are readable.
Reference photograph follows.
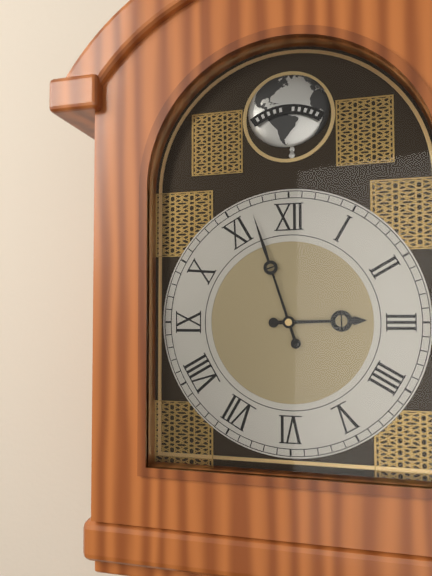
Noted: **2:57**
